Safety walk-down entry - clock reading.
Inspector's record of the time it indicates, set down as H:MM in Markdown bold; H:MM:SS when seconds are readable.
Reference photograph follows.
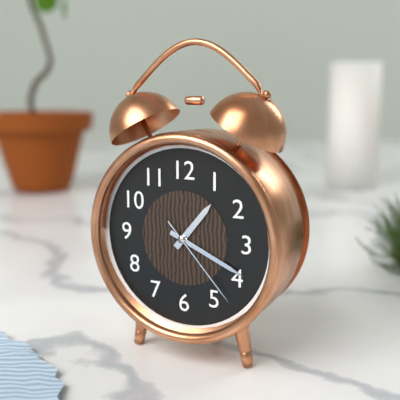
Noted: **1:19:23**
